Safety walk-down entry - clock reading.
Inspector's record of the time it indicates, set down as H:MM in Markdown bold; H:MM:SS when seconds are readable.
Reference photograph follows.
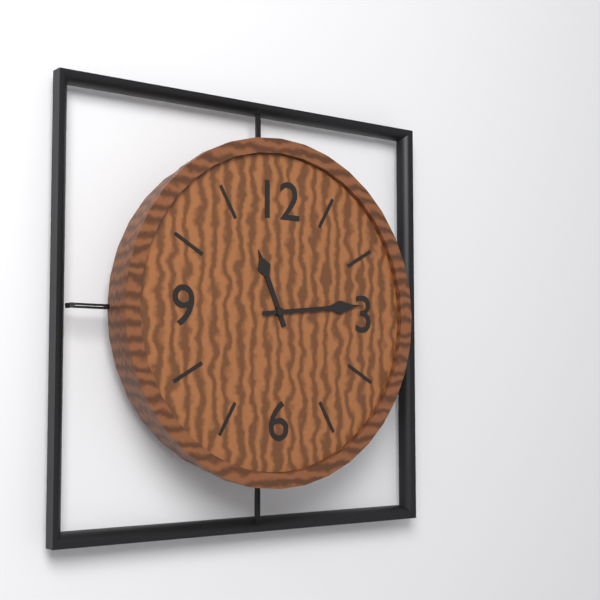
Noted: **11:14**
